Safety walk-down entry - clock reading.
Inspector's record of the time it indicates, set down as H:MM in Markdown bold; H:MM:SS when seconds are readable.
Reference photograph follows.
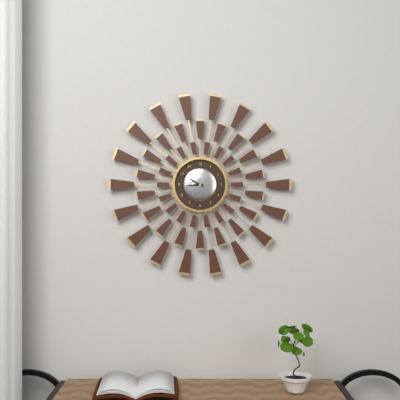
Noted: **8:50**
